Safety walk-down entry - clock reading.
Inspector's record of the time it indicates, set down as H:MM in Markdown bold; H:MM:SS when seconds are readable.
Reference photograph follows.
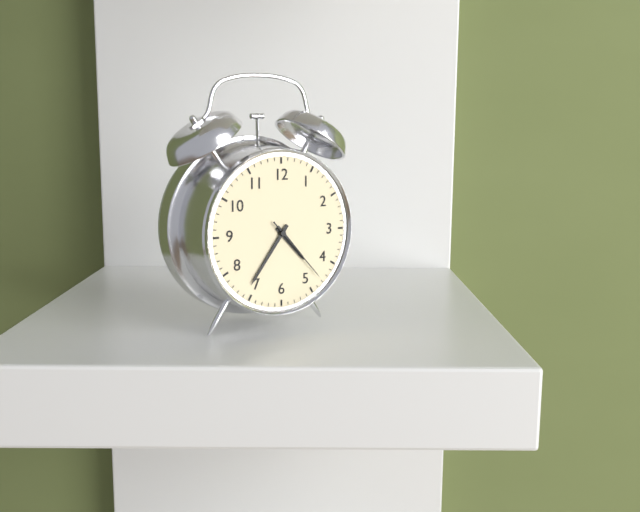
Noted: **4:36:23**
